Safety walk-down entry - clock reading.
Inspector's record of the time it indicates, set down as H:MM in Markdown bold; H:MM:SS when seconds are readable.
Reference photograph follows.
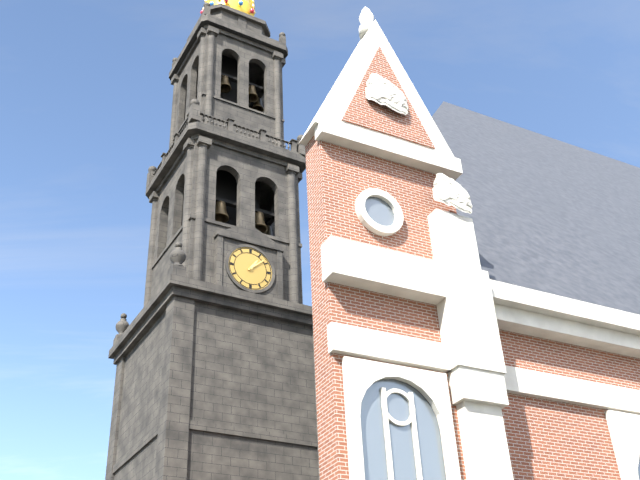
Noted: **1:08**
